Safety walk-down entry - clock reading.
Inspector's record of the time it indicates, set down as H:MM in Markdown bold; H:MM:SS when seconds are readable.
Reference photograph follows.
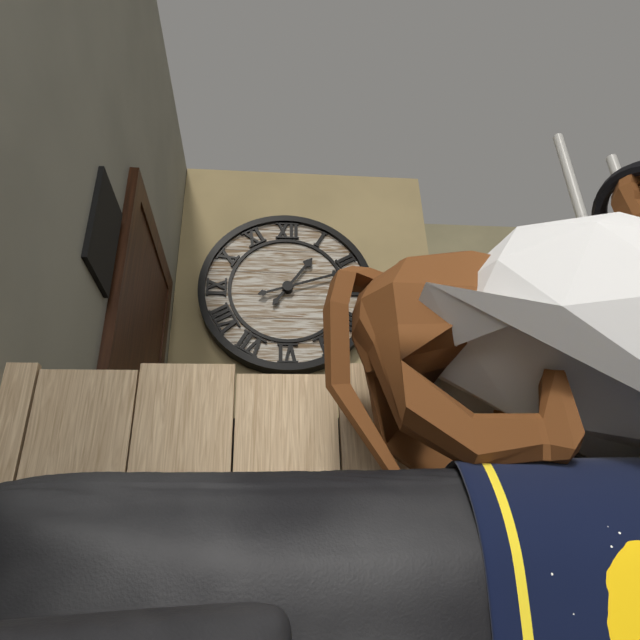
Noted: **1:12**
